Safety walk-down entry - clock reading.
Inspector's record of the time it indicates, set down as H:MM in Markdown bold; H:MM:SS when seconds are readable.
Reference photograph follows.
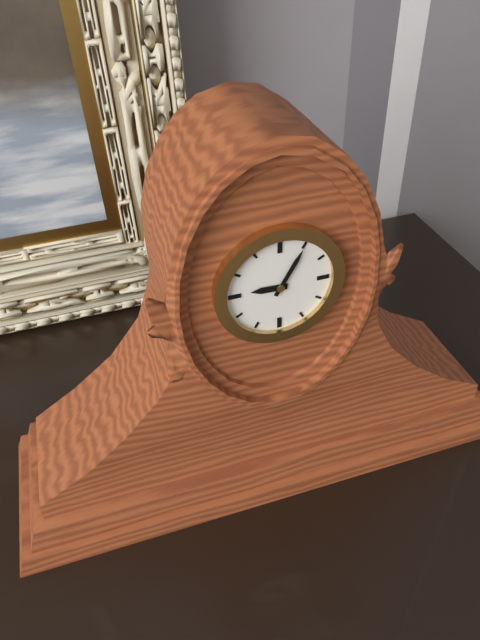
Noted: **9:05**
